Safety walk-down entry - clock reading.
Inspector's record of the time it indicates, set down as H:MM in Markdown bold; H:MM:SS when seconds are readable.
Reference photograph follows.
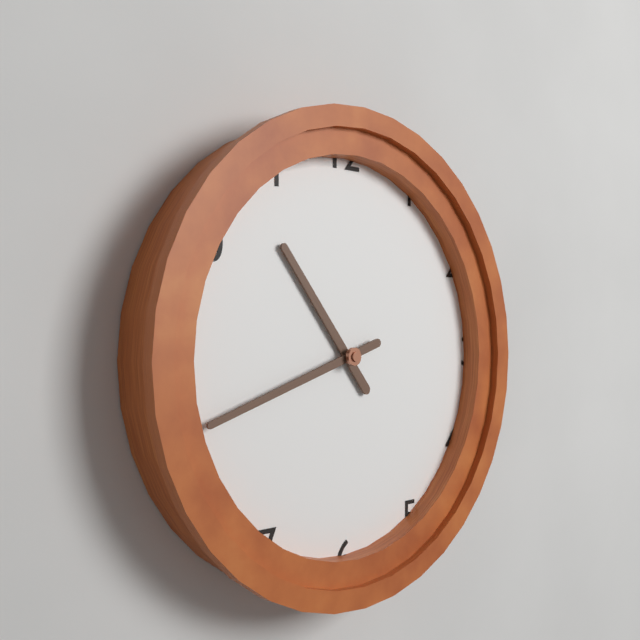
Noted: **10:42**
